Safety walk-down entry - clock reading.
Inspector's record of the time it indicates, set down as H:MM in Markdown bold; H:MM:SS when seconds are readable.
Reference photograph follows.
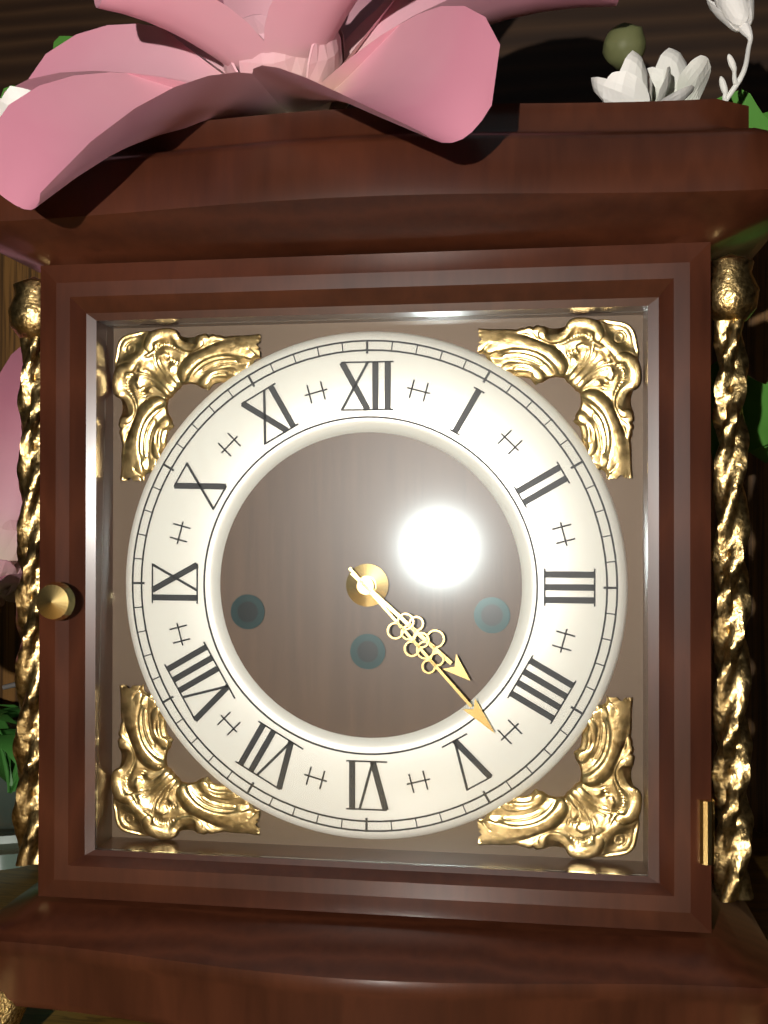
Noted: **4:23**
